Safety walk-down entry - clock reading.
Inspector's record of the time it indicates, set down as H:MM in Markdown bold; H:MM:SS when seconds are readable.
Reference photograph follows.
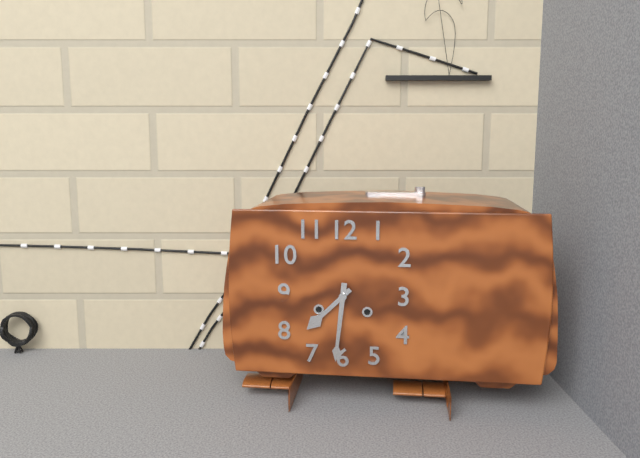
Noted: **7:31**
